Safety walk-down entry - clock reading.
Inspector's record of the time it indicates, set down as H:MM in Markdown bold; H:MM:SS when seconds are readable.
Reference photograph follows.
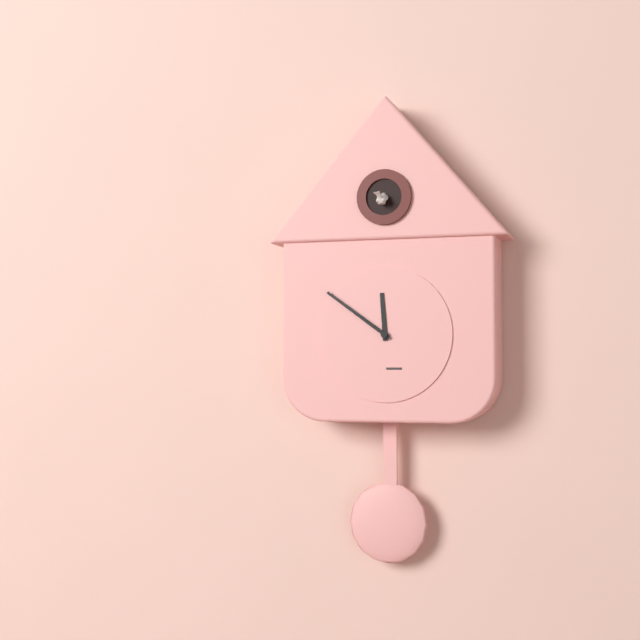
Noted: **11:51**
